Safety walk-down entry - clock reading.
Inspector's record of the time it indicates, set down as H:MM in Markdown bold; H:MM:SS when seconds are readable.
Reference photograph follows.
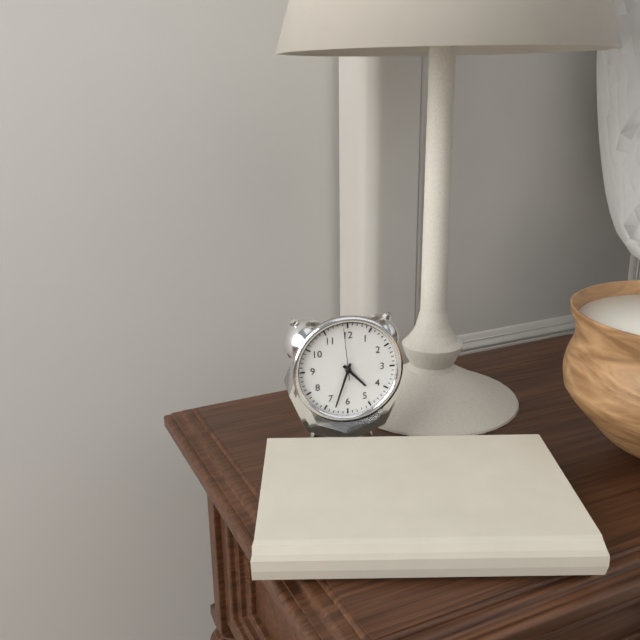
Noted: **4:33:59**
